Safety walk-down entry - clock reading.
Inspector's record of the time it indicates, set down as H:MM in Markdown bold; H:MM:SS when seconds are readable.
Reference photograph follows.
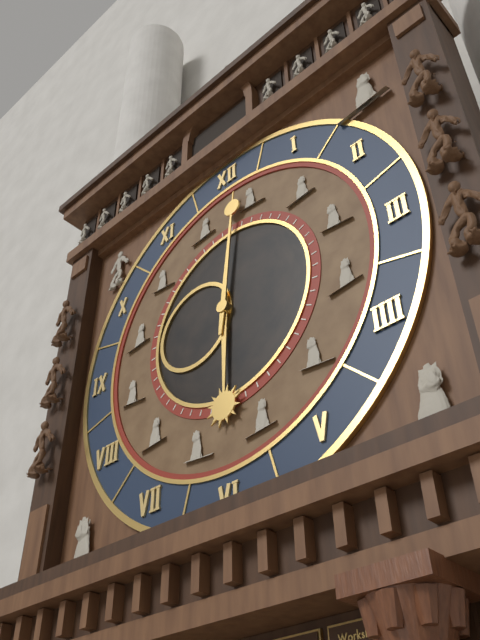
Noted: **6:01**
